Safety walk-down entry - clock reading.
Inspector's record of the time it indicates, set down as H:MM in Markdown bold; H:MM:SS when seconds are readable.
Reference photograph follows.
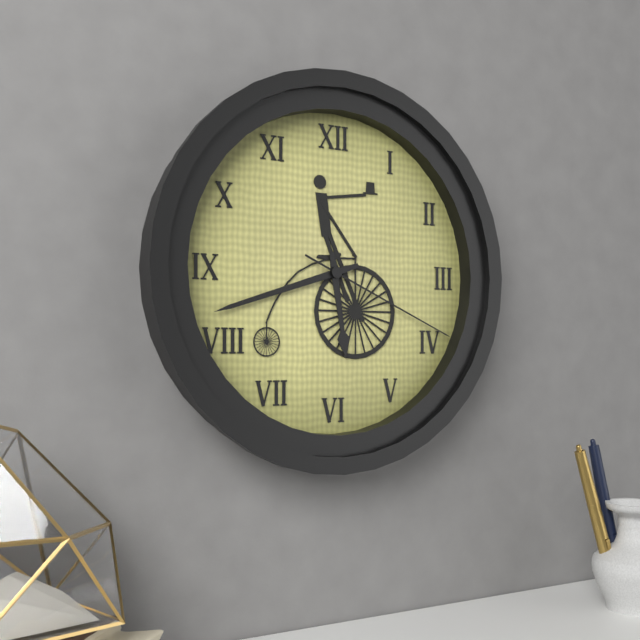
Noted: **5:42:19**
